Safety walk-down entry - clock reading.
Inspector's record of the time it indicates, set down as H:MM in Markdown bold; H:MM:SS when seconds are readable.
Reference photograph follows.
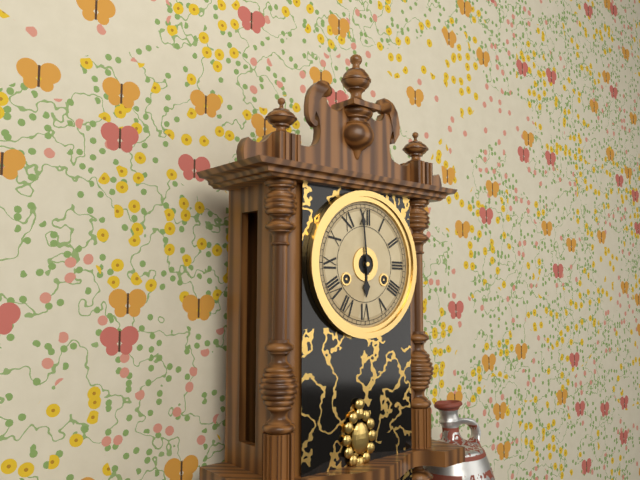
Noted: **5:59**
